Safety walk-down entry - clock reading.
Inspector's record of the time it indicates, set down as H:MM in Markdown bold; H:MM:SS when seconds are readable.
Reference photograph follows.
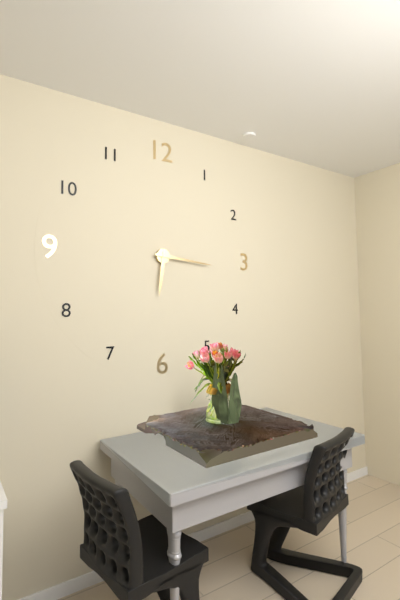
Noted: **6:16**
